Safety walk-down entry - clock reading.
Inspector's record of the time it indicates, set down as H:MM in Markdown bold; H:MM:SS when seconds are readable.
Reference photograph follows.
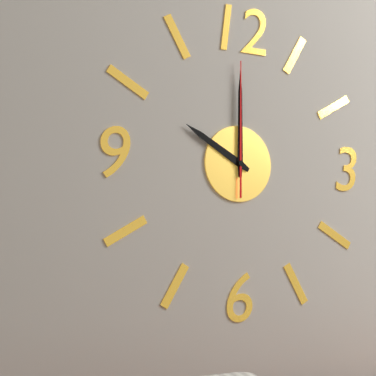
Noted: **10:00:00**
